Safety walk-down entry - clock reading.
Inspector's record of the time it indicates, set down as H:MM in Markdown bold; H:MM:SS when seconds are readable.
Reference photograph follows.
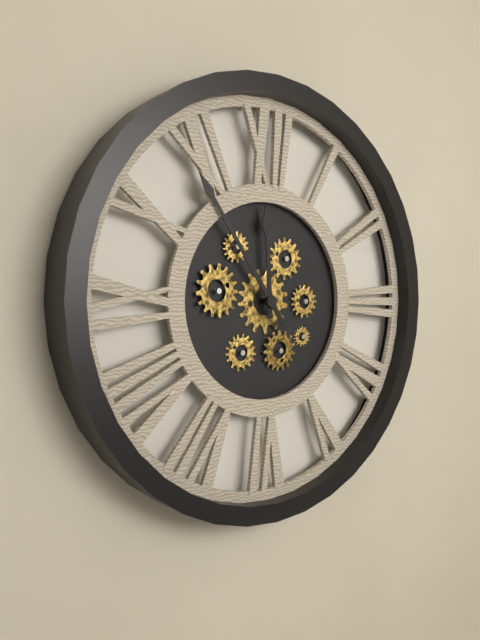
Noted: **11:54**
